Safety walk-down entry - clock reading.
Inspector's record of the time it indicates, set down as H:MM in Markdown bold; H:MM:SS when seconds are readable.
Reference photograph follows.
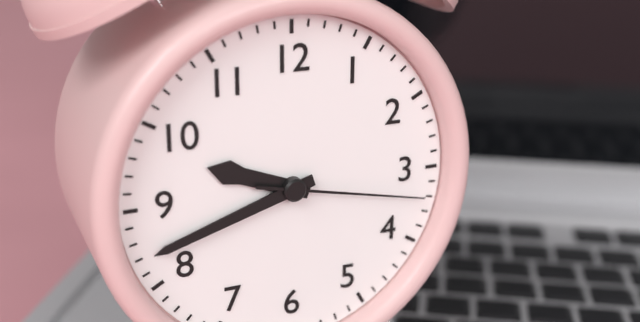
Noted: **9:42:17**
